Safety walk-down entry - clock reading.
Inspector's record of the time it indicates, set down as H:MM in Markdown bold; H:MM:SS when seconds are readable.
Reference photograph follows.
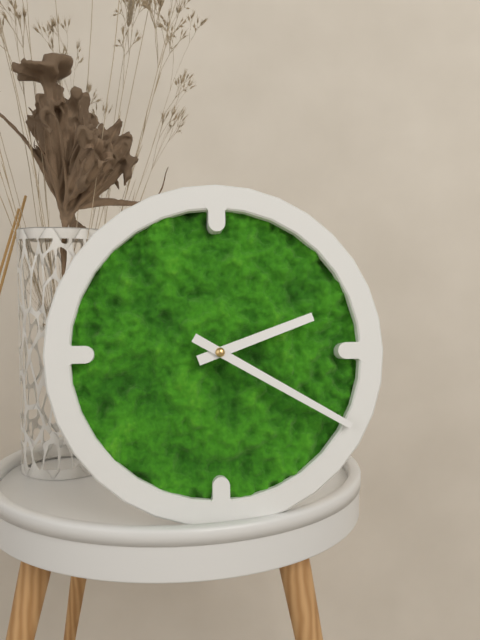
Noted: **2:20**
